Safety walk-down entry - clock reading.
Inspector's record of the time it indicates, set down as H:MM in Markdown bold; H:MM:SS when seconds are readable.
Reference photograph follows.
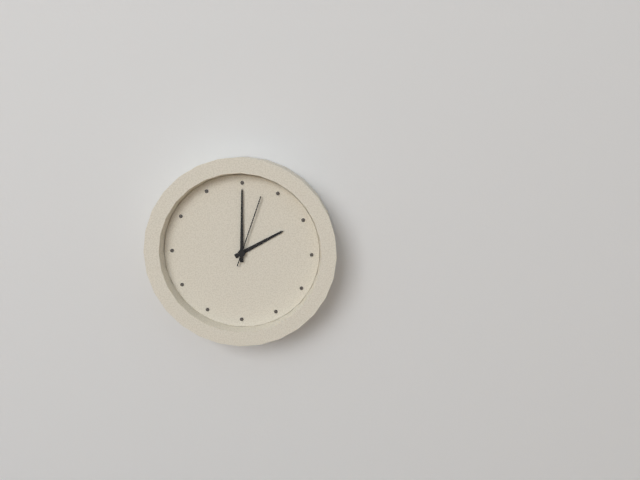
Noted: **2:00:03**
